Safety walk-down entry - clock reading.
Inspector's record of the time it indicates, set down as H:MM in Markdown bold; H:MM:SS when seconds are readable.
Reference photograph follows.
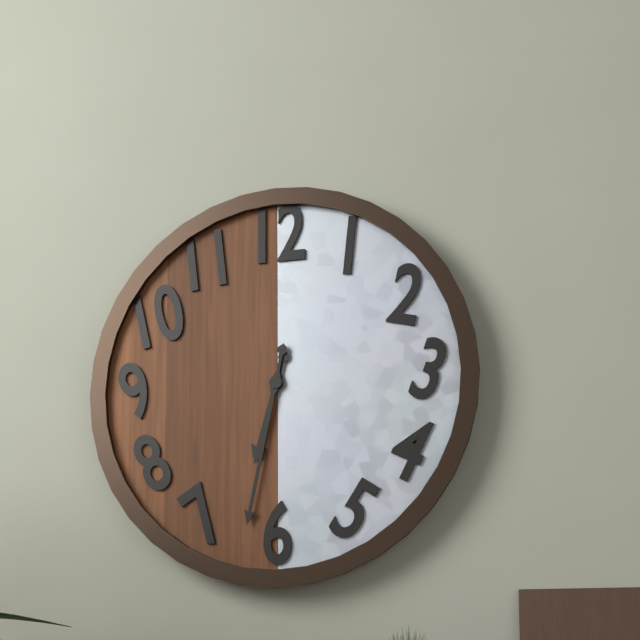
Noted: **6:32**
